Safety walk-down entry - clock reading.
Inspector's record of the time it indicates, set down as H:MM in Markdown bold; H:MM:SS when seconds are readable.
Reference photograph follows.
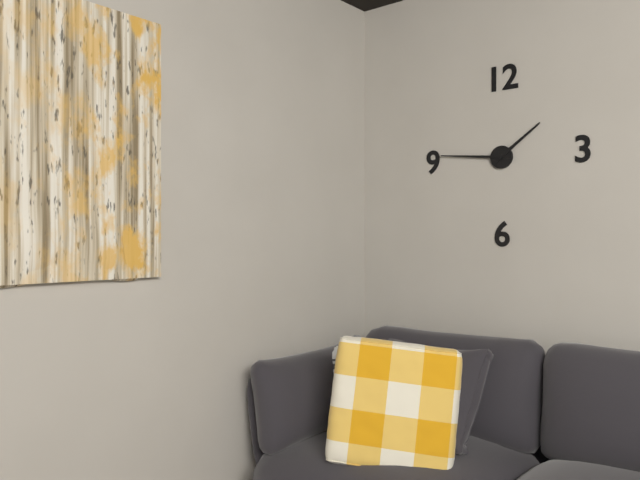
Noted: **1:46**
